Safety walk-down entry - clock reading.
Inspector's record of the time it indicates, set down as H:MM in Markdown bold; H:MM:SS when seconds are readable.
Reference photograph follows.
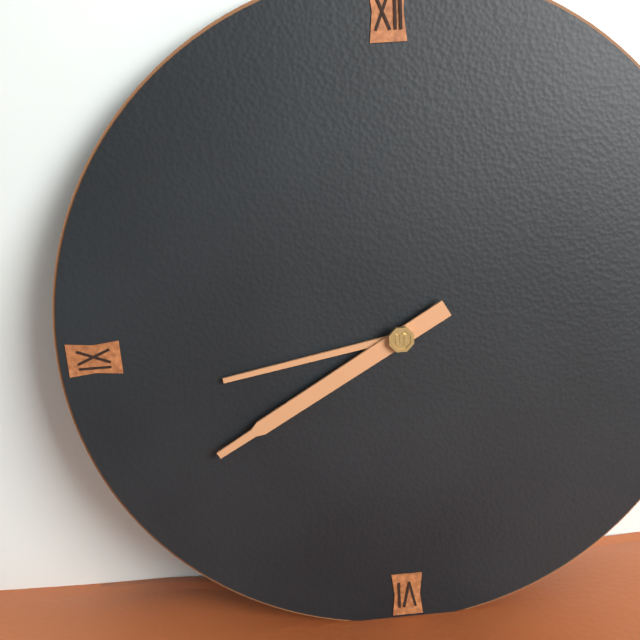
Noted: **8:40**
